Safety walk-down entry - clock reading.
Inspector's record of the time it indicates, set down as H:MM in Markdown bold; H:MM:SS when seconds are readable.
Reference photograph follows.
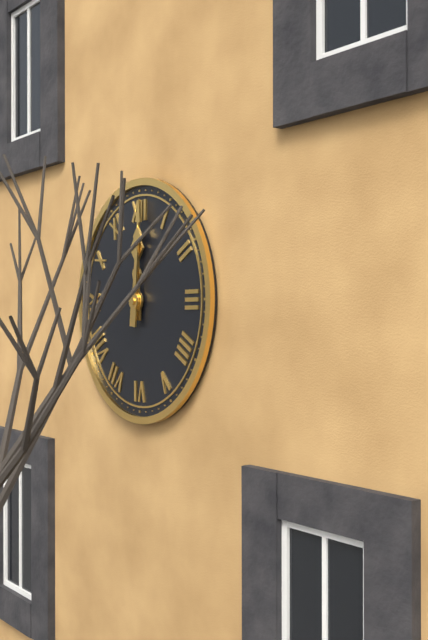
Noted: **12:01**
